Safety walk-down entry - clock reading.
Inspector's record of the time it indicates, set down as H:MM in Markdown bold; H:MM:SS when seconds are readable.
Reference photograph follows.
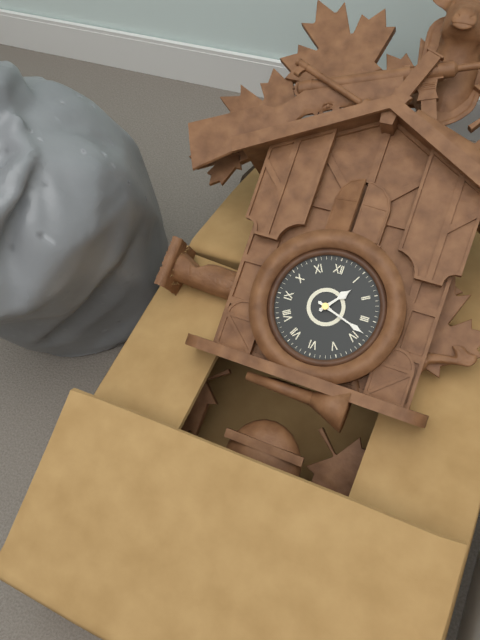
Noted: **1:18**
